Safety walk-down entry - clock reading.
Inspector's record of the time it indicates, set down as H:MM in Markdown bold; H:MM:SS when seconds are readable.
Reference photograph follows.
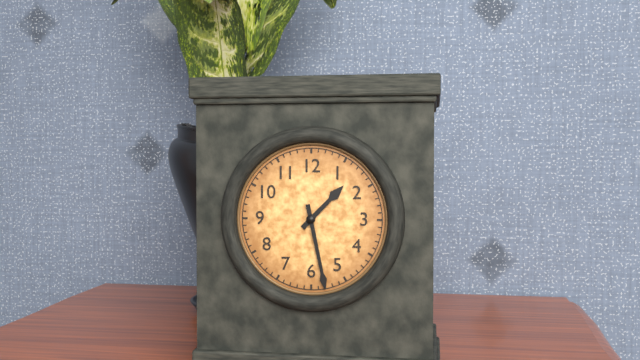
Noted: **1:28**
